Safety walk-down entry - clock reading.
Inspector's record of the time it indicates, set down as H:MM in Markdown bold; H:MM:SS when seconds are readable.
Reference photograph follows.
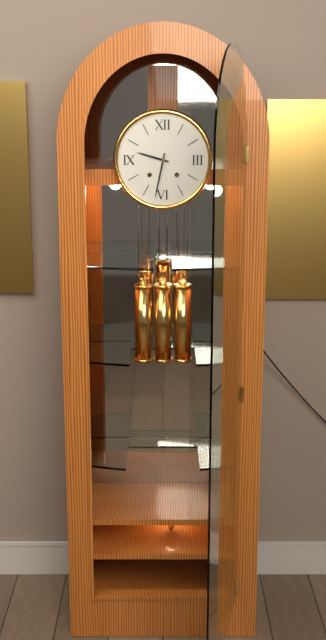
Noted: **9:32**
